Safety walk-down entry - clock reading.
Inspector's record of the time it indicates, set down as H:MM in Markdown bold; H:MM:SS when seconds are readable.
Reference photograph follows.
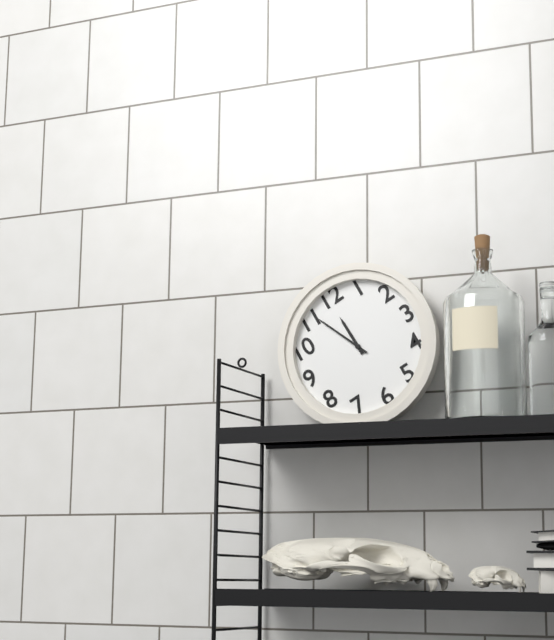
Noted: **11:56**
